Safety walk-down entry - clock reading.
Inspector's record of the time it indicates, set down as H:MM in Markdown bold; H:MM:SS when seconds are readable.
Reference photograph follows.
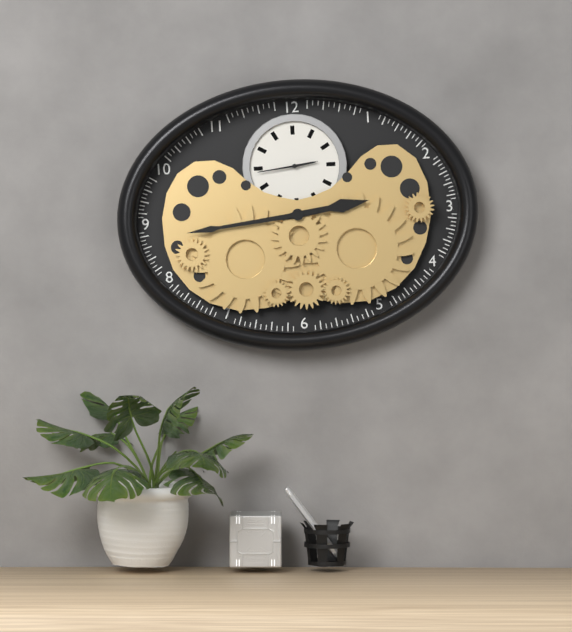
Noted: **2:44**
